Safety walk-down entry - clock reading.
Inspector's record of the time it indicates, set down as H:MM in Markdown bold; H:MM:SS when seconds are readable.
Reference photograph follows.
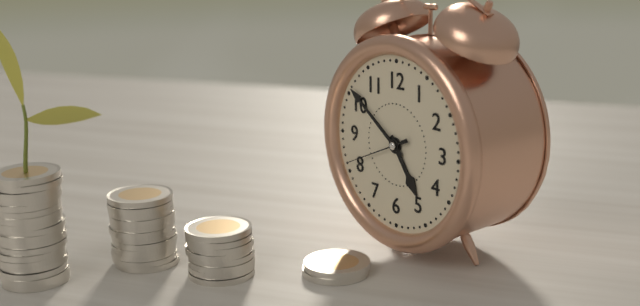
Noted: **4:51:41**
